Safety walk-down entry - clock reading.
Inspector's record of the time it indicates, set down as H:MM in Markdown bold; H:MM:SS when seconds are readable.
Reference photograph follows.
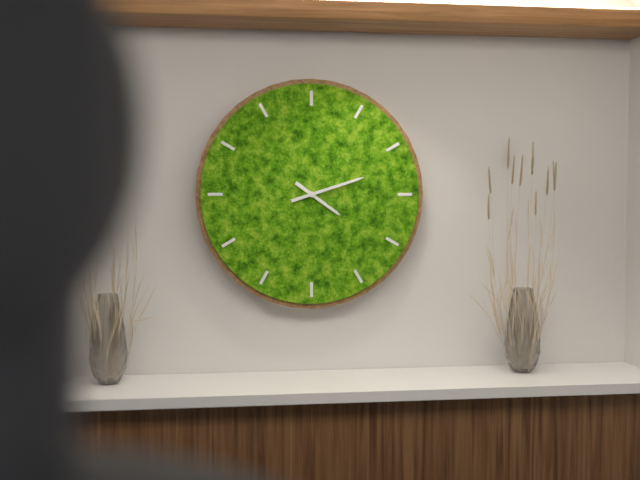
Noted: **4:12**
